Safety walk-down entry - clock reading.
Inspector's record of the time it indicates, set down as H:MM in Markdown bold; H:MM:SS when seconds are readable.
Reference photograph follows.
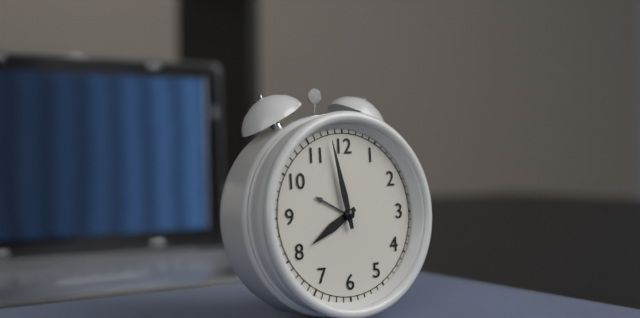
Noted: **7:58**
